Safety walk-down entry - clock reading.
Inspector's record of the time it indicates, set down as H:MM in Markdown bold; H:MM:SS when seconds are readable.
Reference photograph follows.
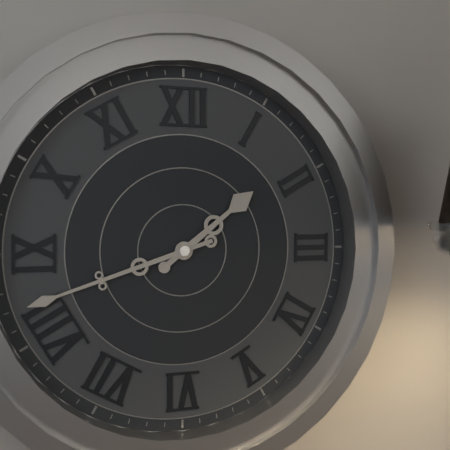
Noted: **1:42**
